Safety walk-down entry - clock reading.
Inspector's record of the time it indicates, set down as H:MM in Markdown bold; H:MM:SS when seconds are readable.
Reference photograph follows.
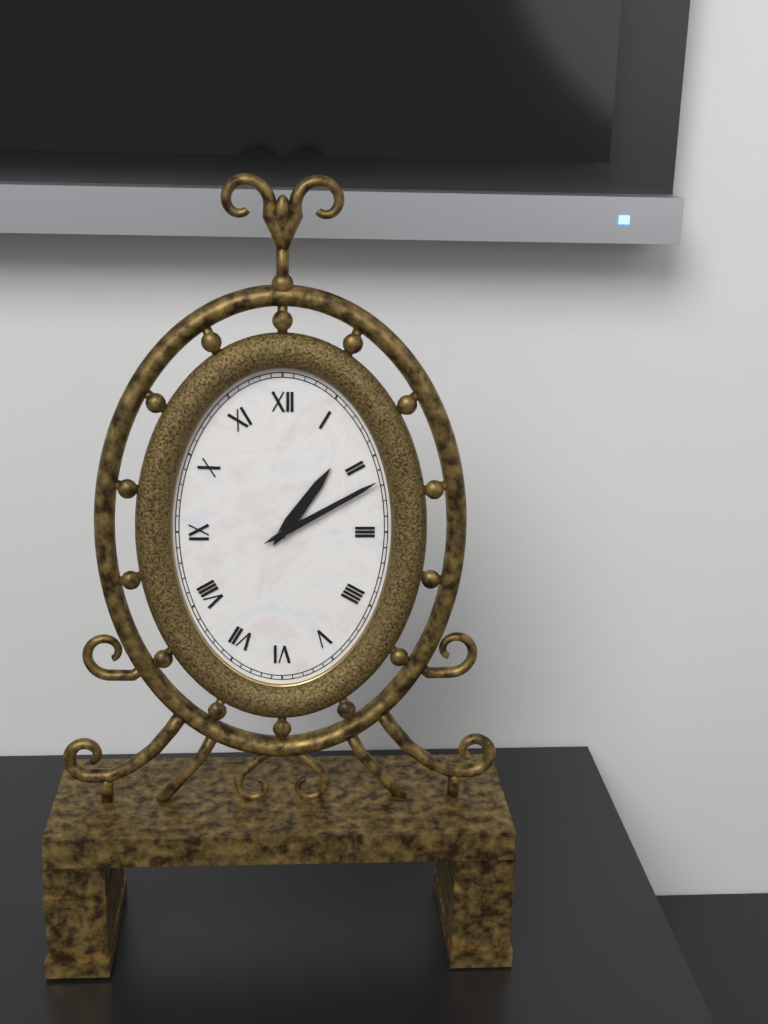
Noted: **1:10**
